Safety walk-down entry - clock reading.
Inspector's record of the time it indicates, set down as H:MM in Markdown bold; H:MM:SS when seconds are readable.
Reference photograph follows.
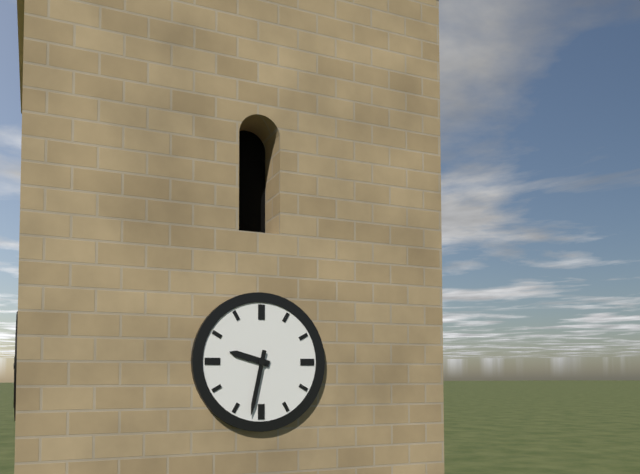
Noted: **9:32**
